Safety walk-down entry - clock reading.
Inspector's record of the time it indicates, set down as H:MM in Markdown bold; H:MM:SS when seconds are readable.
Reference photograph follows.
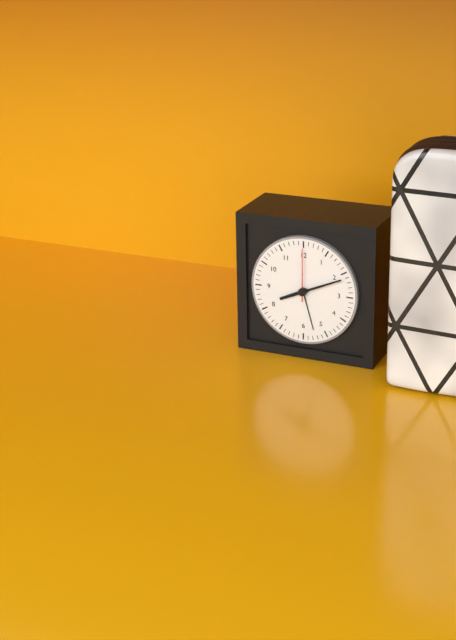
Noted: **8:11:00**
